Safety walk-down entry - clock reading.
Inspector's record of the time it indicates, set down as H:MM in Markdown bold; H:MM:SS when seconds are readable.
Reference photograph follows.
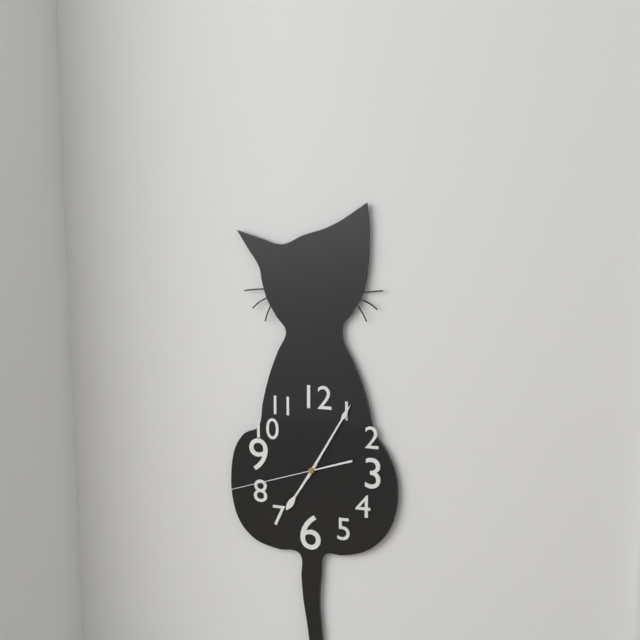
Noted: **7:05:42**
